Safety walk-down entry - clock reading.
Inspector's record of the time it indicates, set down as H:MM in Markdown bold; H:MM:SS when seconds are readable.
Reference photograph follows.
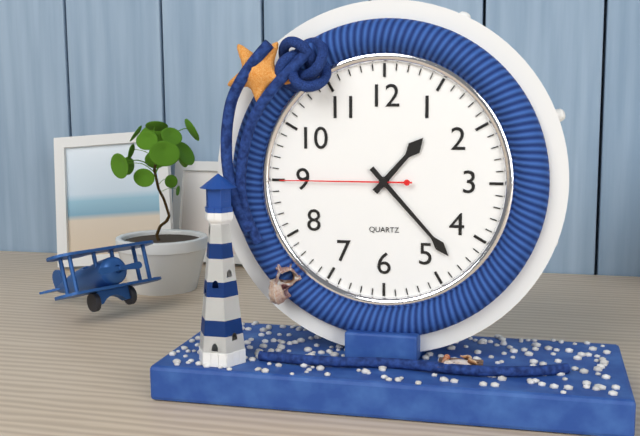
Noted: **1:23:45**
